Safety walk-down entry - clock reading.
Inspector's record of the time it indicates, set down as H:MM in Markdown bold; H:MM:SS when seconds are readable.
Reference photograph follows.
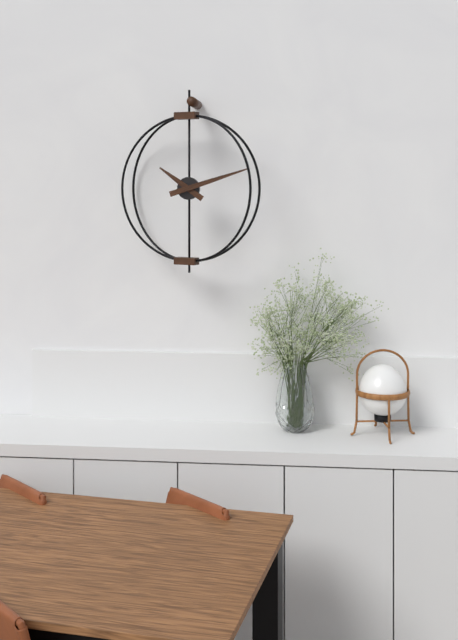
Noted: **10:12**
